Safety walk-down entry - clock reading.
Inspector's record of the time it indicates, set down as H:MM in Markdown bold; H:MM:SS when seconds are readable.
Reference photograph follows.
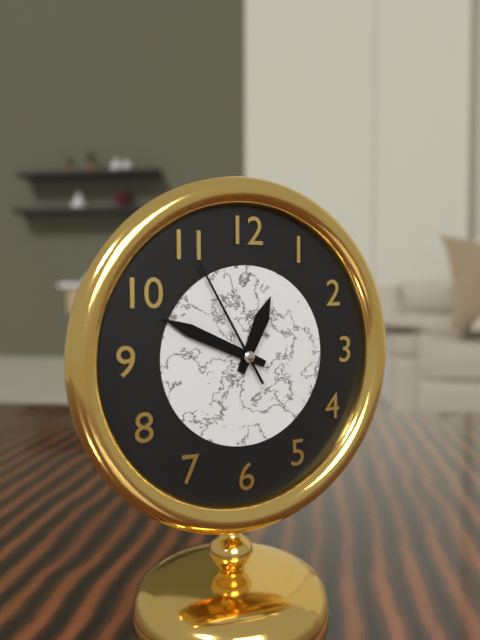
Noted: **12:49:55**
